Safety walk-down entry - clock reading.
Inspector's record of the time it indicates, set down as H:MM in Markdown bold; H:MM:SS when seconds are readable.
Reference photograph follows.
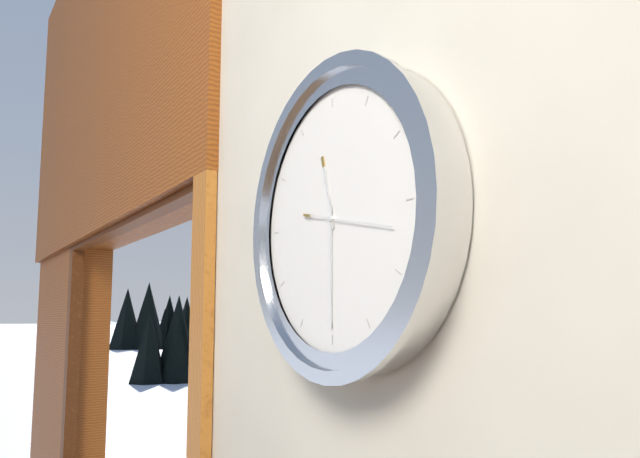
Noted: **11:30:17**
